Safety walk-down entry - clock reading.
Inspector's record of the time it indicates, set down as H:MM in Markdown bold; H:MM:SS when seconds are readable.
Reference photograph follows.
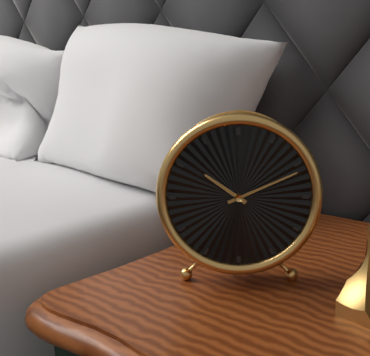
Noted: **10:11**
